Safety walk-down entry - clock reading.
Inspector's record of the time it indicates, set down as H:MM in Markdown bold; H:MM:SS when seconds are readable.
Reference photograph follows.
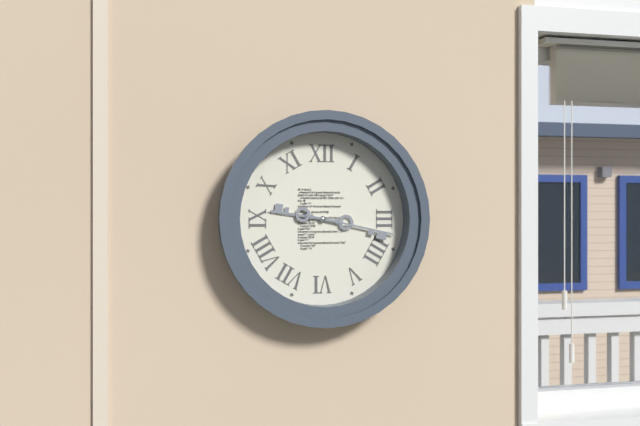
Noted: **9:17**
